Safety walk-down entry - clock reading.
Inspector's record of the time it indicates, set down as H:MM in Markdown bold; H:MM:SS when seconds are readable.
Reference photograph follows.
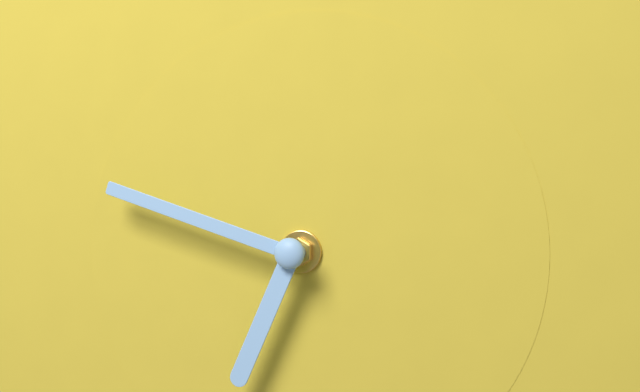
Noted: **6:48**
